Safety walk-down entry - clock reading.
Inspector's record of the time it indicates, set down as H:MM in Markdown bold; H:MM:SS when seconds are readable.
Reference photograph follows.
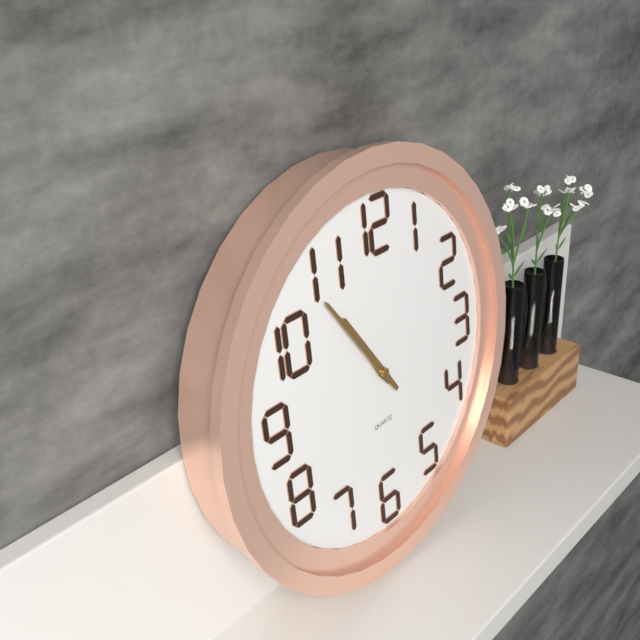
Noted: **10:54**
